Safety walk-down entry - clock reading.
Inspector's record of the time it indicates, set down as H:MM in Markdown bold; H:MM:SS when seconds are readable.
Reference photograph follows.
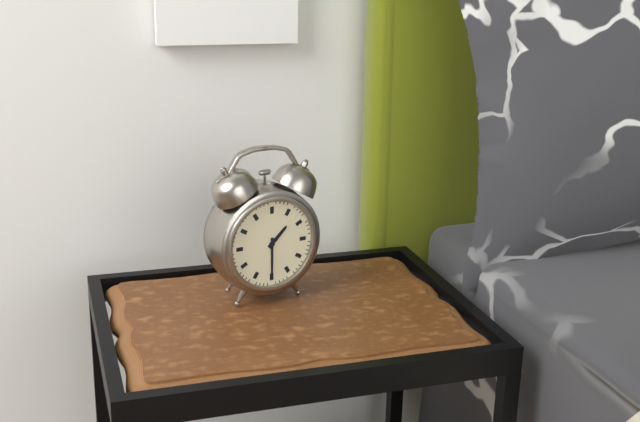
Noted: **1:30**
